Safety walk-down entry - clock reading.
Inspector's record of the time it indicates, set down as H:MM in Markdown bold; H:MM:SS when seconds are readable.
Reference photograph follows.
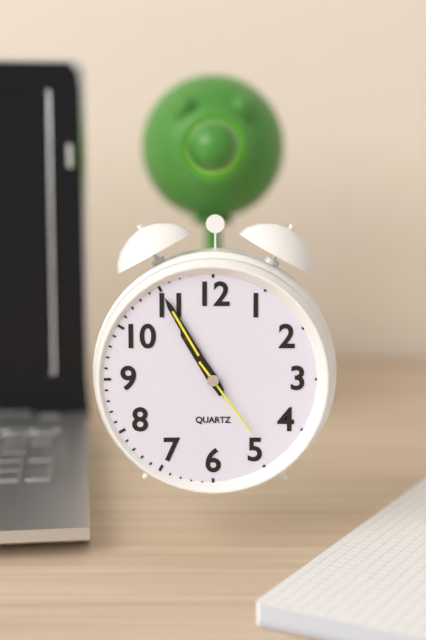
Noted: **10:55:24**
